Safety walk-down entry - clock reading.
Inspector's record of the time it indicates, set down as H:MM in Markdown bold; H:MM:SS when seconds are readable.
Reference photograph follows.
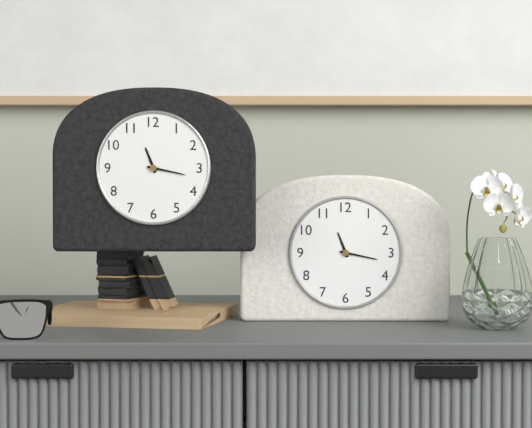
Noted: **11:17**
